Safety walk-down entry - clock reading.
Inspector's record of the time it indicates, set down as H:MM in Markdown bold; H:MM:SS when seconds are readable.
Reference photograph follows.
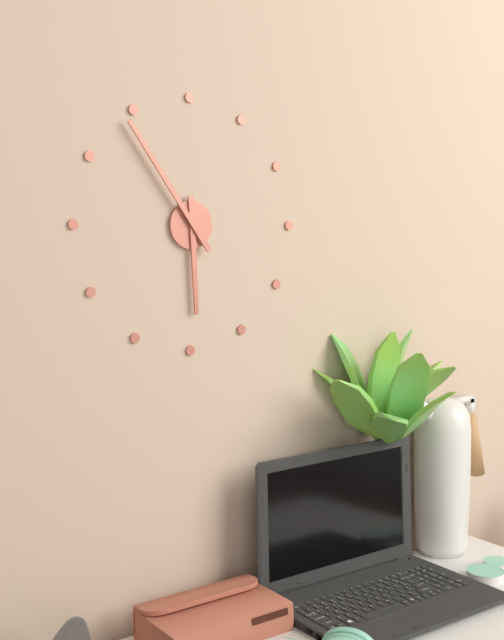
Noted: **5:54**
